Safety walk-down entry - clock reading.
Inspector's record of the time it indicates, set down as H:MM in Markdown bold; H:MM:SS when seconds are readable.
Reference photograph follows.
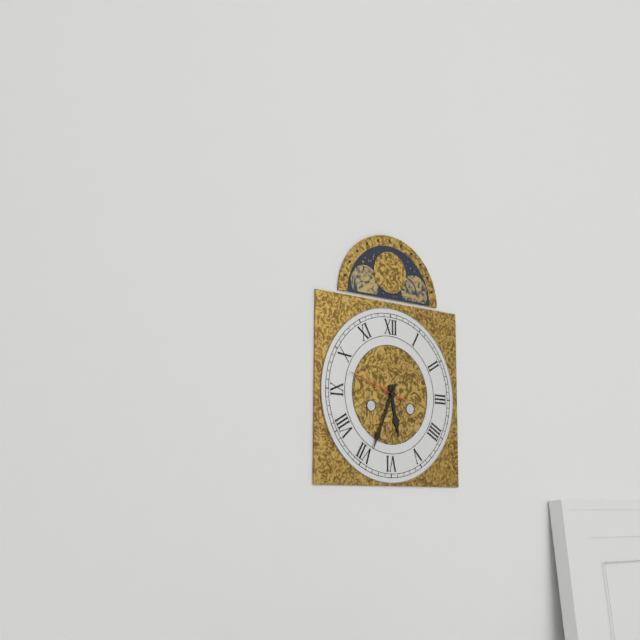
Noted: **5:34:48**
